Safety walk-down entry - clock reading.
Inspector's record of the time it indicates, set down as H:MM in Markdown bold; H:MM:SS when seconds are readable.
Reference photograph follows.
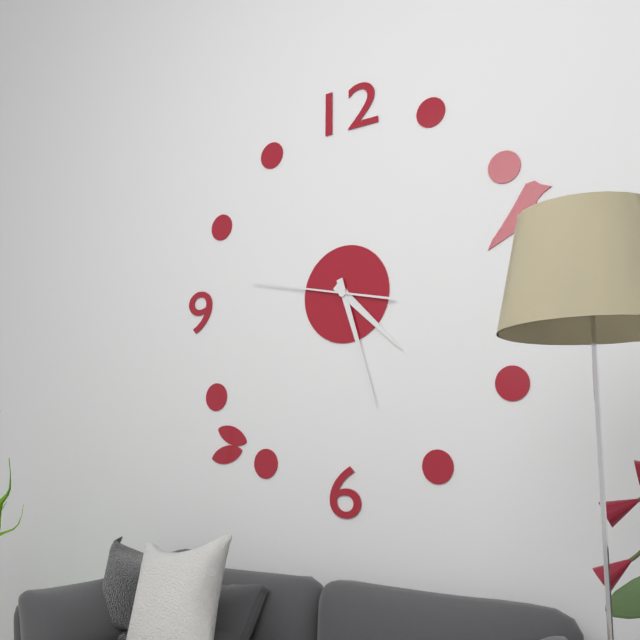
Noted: **4:27:47**
